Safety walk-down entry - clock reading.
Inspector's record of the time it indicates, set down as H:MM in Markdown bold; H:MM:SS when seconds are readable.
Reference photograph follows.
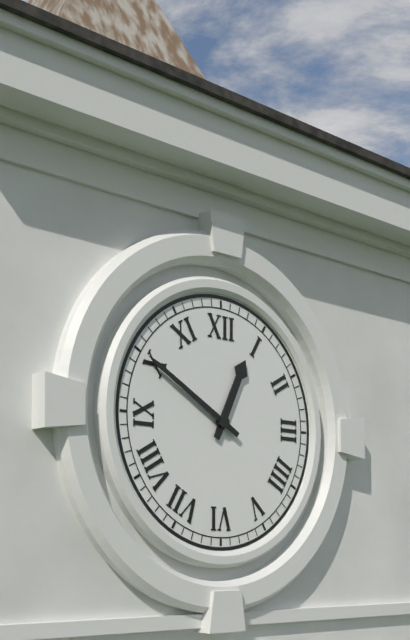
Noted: **12:50**
